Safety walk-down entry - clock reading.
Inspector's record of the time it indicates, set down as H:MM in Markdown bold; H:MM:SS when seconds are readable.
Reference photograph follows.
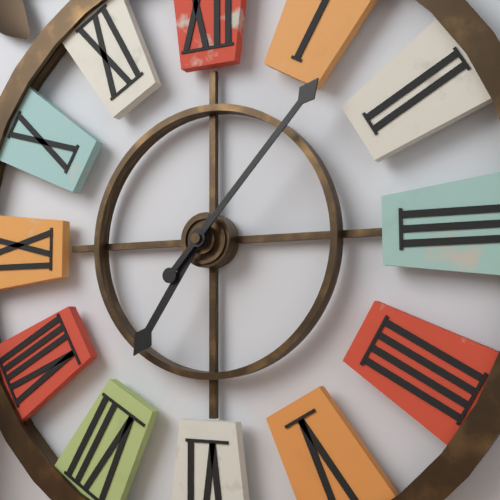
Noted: **7:07**
